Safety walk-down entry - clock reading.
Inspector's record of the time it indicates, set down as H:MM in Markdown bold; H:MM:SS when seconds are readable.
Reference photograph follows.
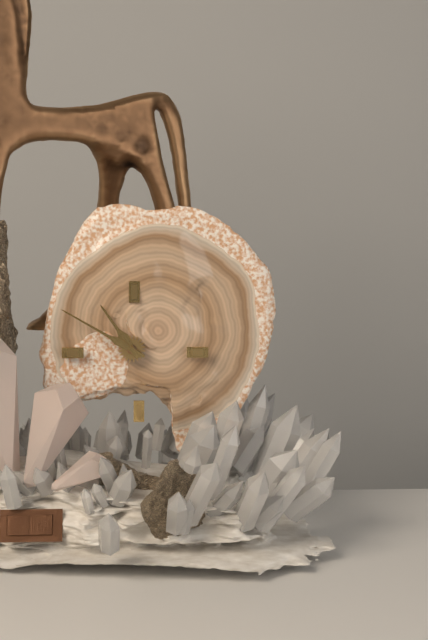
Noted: **10:50**
